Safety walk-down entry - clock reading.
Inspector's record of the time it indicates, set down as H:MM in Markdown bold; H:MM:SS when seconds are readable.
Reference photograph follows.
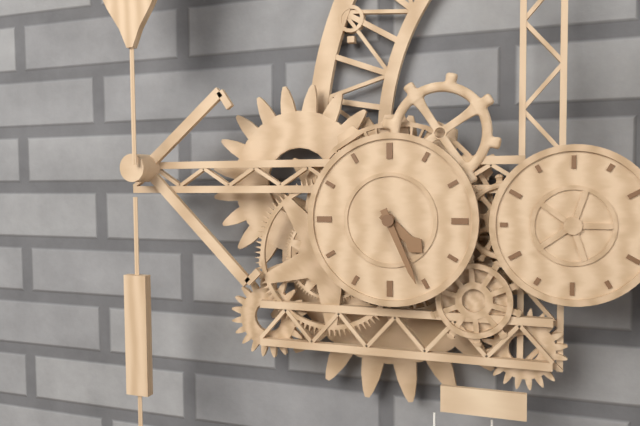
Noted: **4:26**
